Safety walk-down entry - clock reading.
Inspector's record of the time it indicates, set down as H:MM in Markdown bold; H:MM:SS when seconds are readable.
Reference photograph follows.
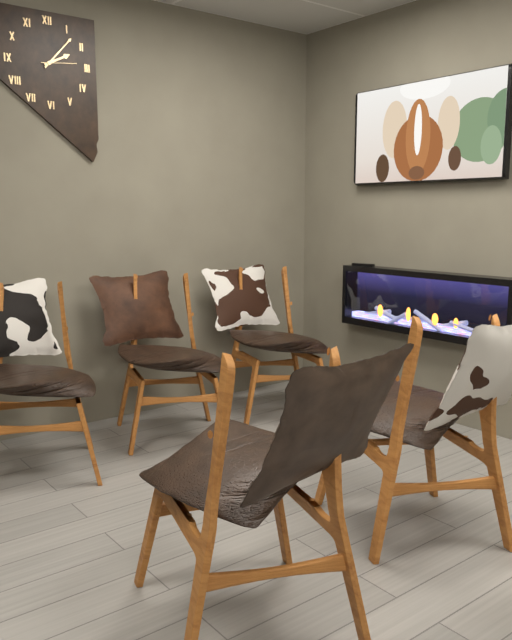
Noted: **2:07**
